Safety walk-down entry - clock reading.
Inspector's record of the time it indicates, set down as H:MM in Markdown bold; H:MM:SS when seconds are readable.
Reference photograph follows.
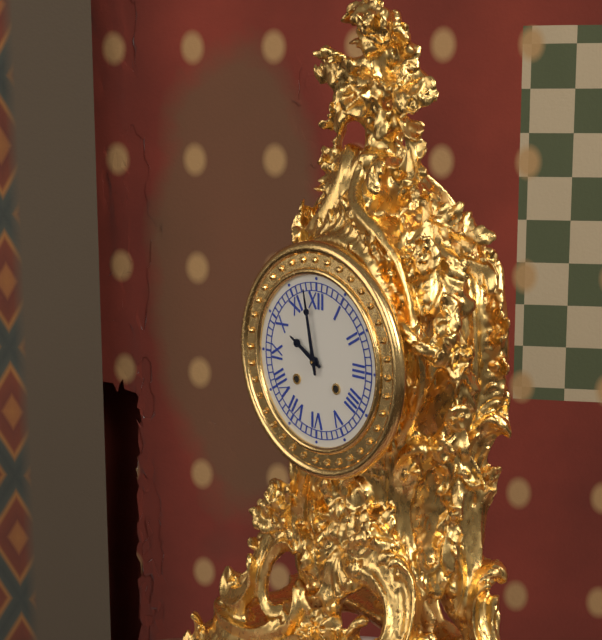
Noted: **9:58**
